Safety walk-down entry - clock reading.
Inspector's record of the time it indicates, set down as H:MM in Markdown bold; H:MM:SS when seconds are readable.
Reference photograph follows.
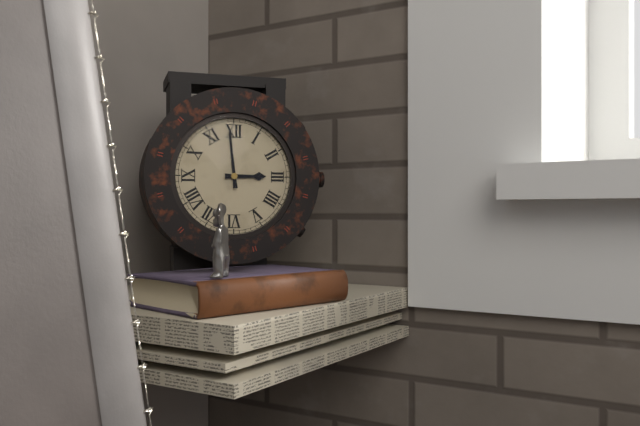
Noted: **2:59**
